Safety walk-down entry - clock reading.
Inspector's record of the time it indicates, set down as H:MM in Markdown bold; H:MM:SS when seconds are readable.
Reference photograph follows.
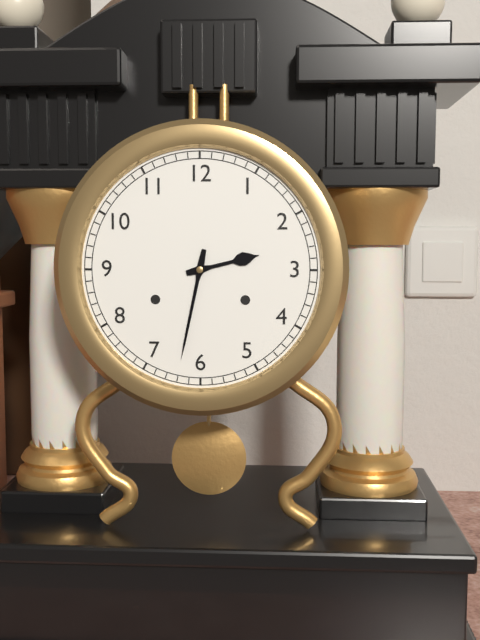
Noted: **2:32**
